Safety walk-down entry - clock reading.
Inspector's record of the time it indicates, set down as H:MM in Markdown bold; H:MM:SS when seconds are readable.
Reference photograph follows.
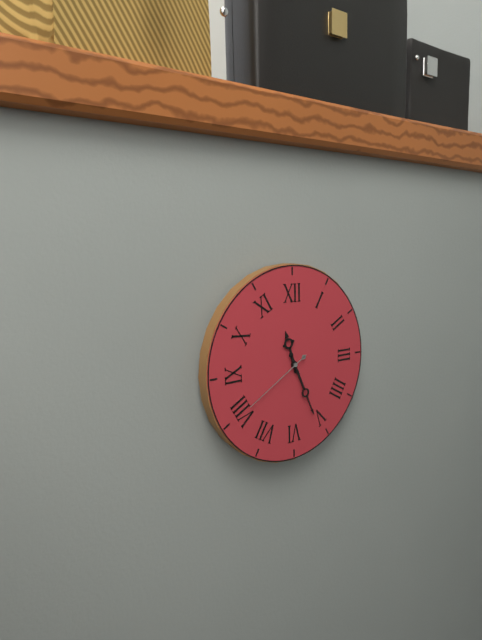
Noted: **11:26:40**
